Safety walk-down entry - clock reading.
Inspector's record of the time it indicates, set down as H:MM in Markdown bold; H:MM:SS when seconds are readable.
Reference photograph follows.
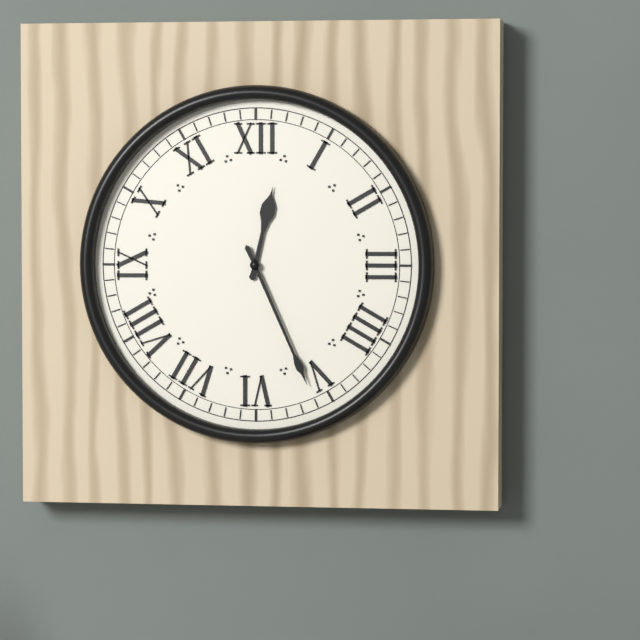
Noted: **12:26**
